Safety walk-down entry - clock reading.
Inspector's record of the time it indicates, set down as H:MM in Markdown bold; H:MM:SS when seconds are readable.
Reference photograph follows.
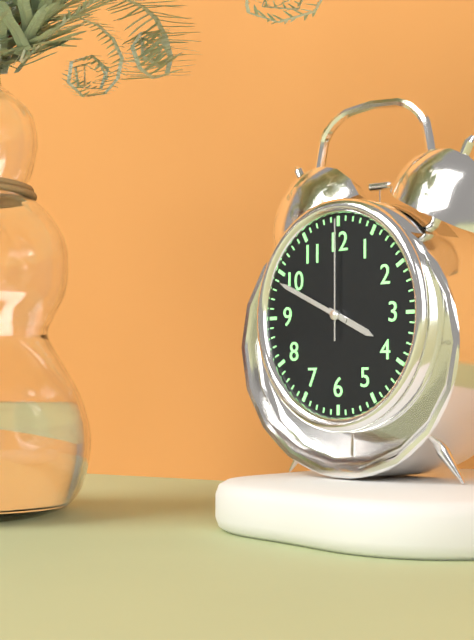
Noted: **3:49:00**
